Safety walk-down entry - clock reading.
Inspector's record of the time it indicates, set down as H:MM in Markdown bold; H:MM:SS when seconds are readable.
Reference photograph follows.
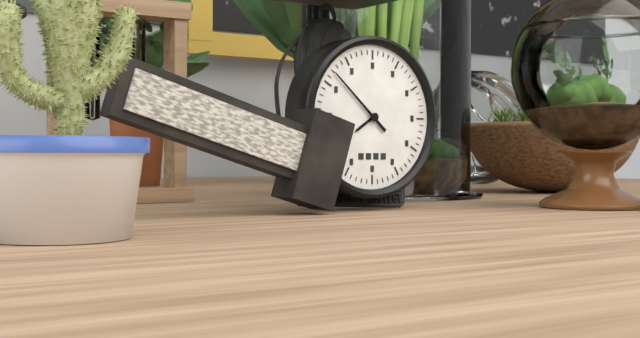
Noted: **7:52**
